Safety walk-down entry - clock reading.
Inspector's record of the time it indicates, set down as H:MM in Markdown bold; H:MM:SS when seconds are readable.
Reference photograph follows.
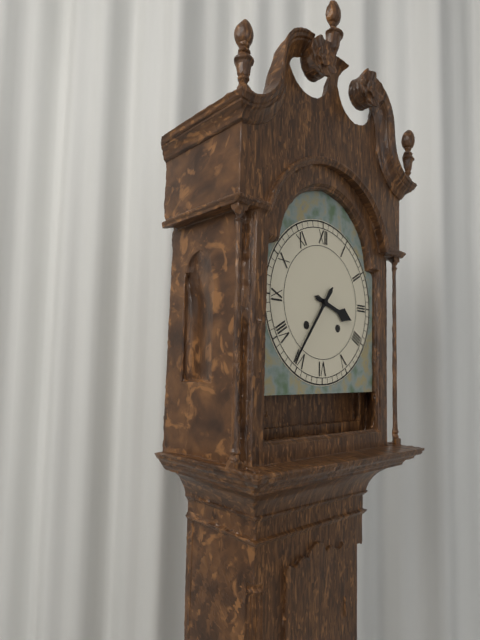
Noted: **3:36**
